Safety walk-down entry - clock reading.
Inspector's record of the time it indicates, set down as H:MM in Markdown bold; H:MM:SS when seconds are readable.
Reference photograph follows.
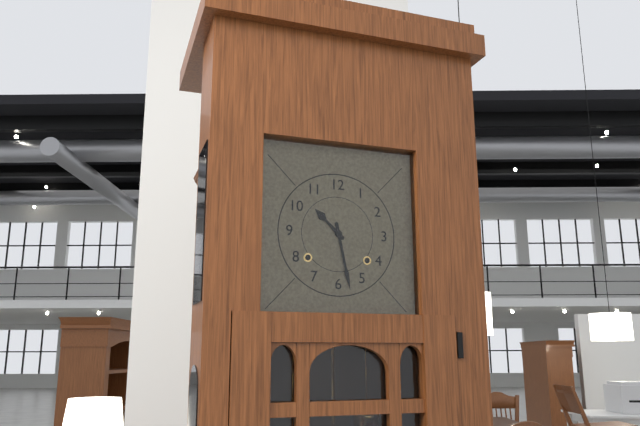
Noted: **10:28**
